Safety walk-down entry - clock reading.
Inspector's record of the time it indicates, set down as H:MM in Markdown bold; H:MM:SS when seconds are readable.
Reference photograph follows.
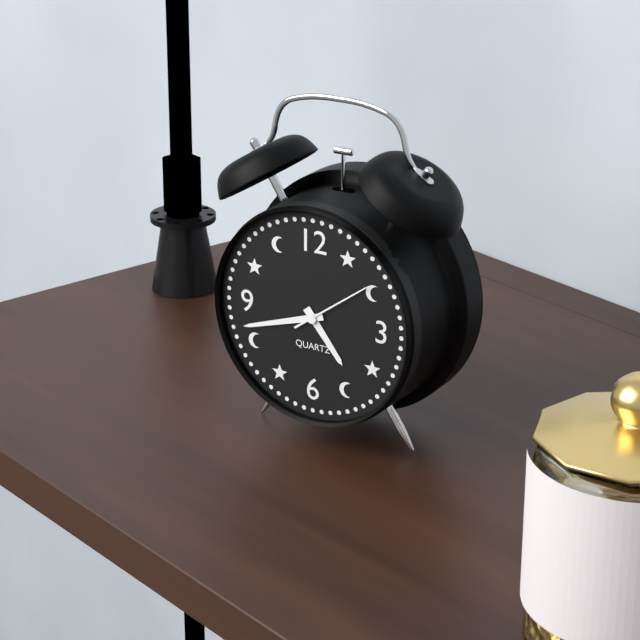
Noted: **4:42:09**
